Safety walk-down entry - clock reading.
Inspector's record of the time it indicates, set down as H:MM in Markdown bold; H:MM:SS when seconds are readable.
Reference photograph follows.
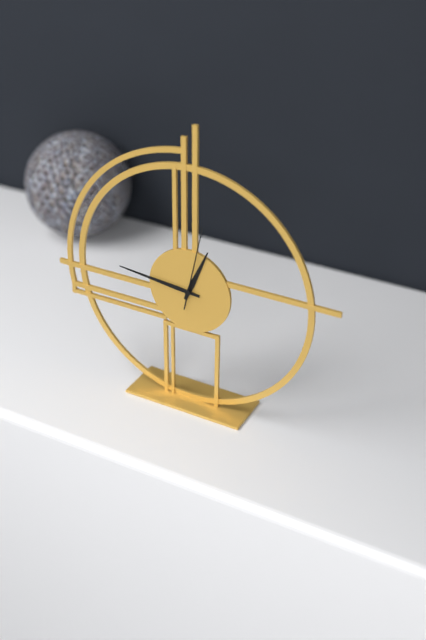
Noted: **12:46:02**
